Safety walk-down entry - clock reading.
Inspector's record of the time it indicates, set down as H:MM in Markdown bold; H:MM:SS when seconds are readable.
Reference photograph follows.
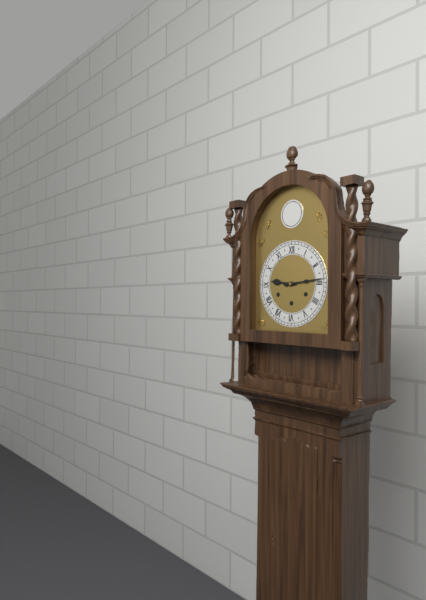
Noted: **9:14**
